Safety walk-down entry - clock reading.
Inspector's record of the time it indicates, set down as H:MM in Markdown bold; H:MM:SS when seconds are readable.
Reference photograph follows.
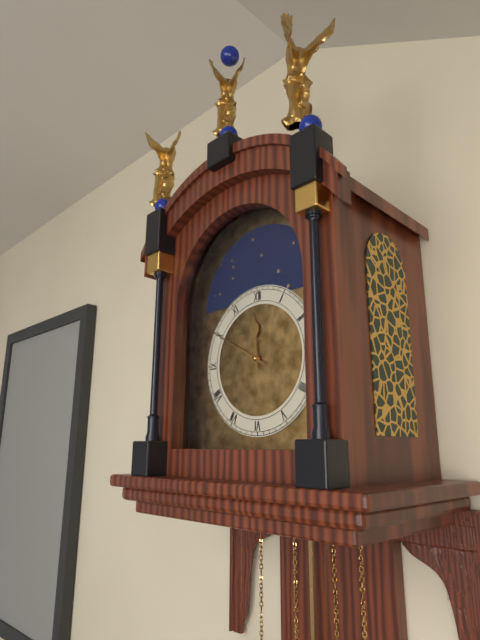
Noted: **11:50**
